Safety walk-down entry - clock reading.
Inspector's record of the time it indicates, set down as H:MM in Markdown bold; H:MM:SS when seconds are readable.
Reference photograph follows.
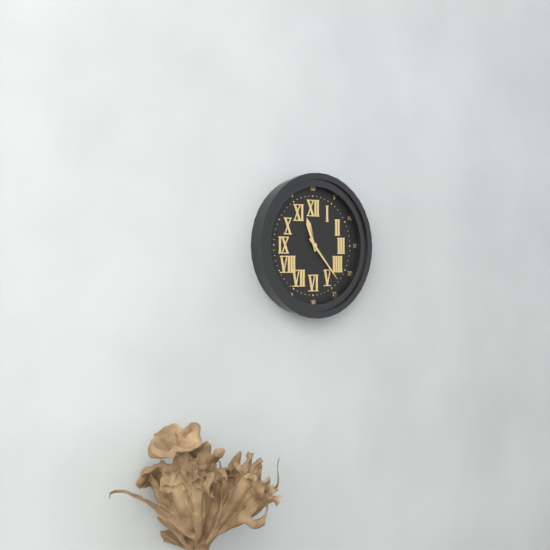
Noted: **11:23**
